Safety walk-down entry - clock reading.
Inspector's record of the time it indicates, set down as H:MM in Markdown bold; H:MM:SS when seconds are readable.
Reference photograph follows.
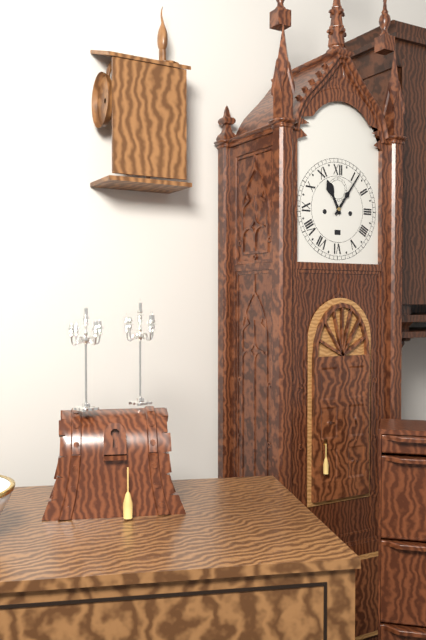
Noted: **11:06**
